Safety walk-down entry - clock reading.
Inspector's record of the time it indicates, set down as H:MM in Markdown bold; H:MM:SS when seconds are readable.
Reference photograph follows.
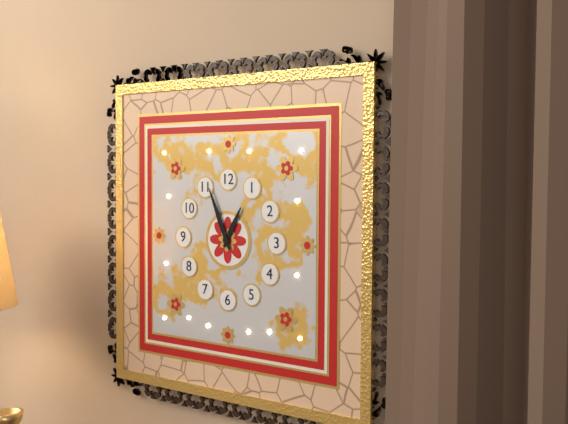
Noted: **12:56**
